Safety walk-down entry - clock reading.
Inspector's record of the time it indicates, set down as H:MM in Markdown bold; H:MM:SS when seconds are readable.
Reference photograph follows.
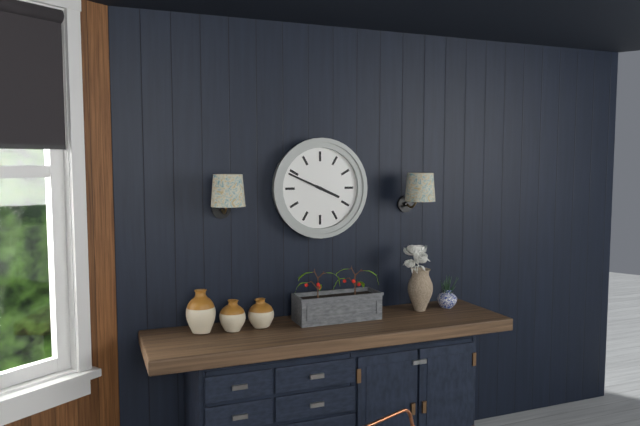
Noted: **3:49**
